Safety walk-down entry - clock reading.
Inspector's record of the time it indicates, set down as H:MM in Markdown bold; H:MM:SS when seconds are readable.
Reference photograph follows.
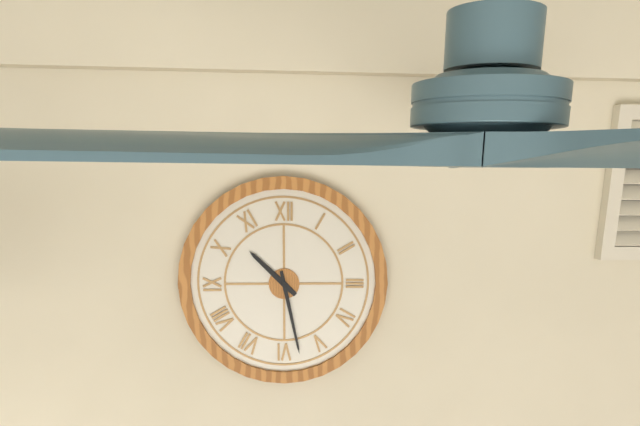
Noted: **10:28**
